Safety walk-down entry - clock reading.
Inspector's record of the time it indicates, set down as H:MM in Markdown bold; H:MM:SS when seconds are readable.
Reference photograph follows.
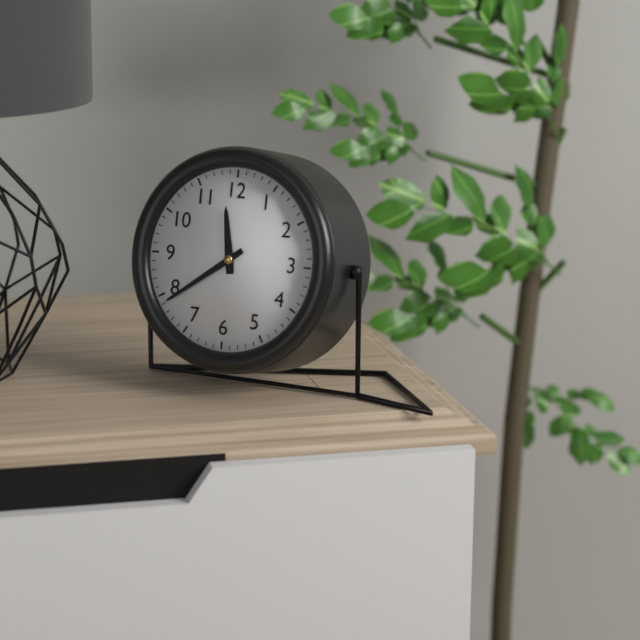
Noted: **11:39**
